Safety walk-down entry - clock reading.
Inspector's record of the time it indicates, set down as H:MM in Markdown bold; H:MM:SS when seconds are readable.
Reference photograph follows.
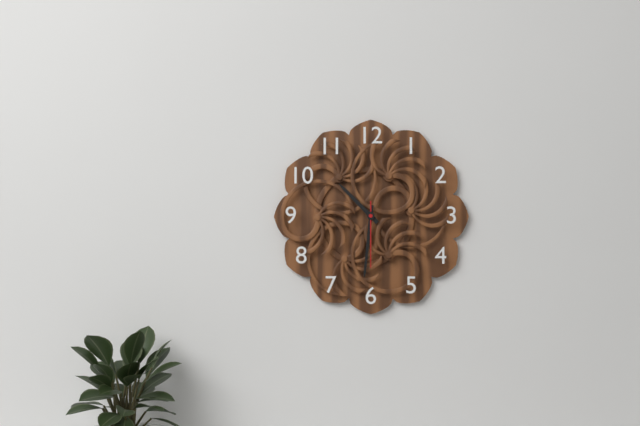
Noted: **10:31:30**
